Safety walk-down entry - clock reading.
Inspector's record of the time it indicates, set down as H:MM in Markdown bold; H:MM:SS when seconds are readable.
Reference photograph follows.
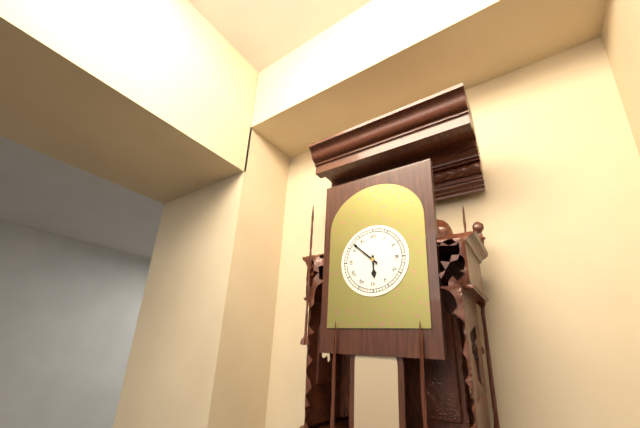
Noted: **5:52**
